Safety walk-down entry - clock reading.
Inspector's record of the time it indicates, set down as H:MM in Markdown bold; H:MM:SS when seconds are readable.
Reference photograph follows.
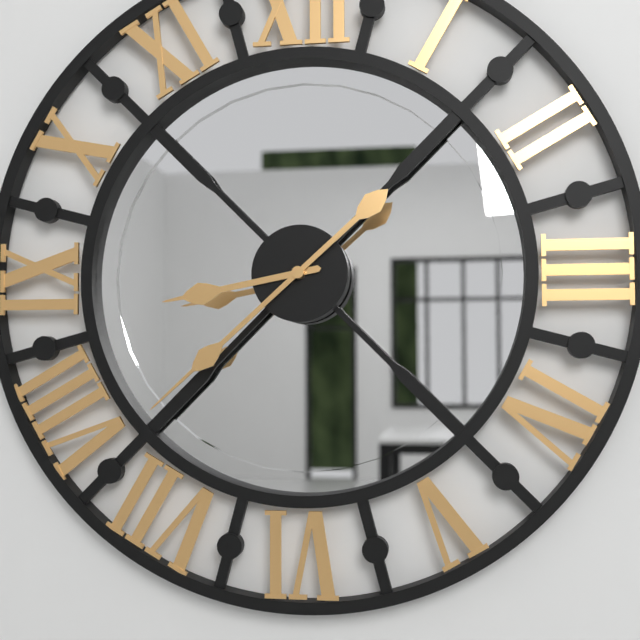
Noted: **8:38**
